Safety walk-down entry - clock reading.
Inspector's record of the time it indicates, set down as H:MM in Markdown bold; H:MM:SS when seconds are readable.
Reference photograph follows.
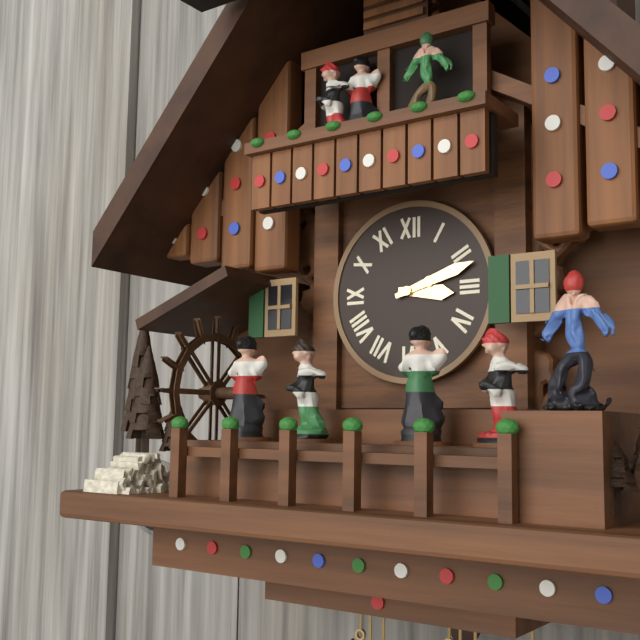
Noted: **3:12**
